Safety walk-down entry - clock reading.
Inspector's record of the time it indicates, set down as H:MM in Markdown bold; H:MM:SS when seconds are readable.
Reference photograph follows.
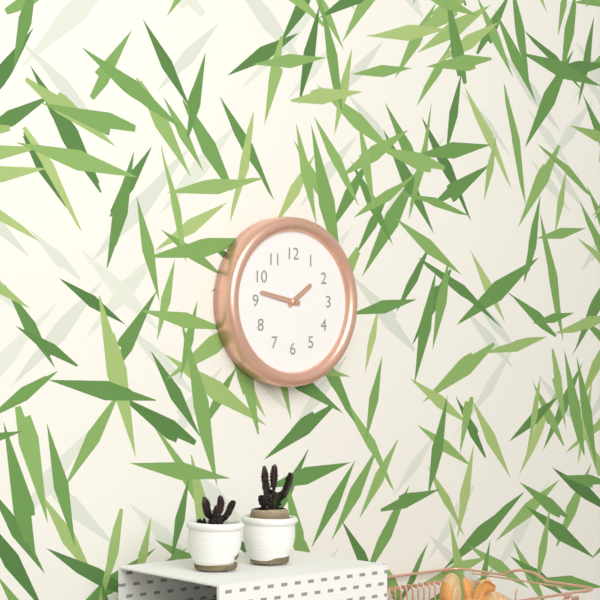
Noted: **1:47**
